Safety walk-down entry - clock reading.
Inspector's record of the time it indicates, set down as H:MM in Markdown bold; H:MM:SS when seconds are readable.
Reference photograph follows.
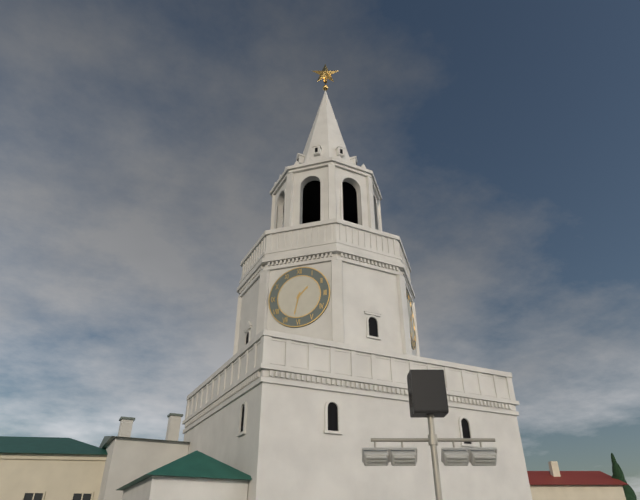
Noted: **1:32**
